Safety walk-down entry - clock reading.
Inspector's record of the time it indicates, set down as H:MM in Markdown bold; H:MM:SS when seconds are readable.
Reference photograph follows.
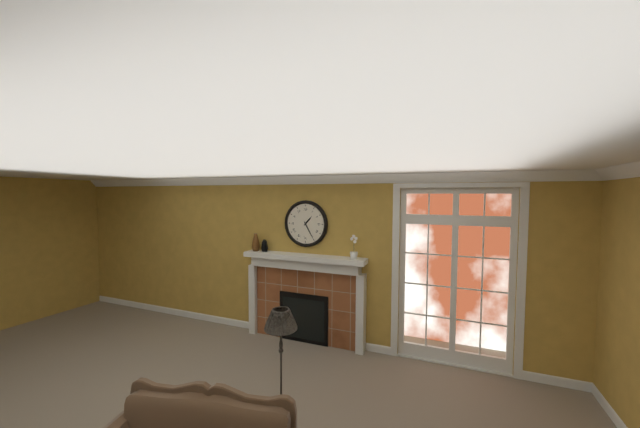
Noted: **1:25**
